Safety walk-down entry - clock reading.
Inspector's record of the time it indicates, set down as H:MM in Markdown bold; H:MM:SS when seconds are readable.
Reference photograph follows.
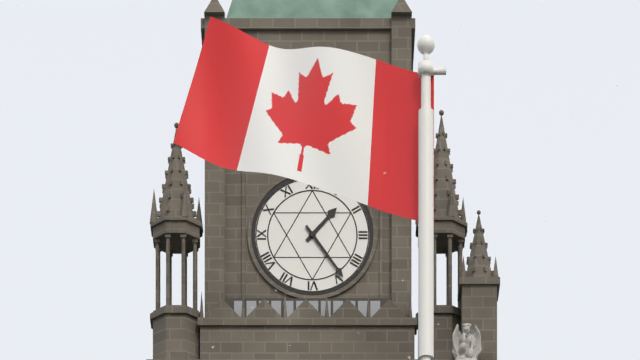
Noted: **1:24**
